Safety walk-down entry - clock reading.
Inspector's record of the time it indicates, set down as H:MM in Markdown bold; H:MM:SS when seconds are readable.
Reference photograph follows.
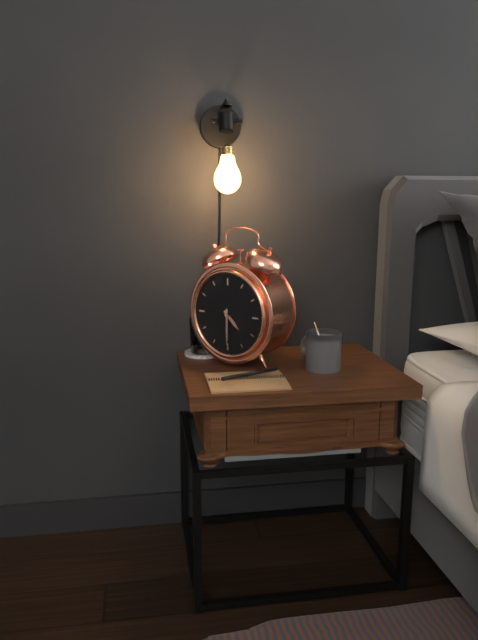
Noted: **4:30**
